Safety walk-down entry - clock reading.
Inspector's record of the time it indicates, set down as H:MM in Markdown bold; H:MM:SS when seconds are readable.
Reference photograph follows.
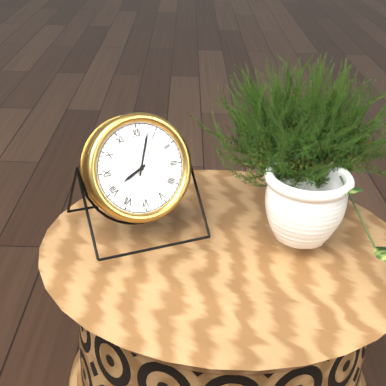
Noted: **8:03**
